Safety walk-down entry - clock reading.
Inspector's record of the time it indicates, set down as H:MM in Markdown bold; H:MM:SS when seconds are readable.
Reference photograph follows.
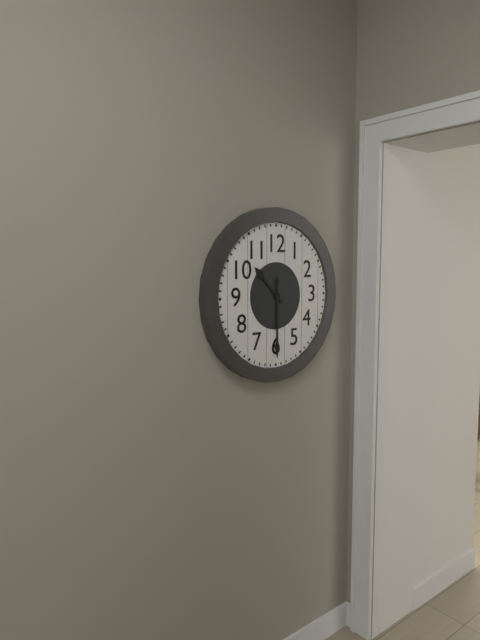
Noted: **10:30**
